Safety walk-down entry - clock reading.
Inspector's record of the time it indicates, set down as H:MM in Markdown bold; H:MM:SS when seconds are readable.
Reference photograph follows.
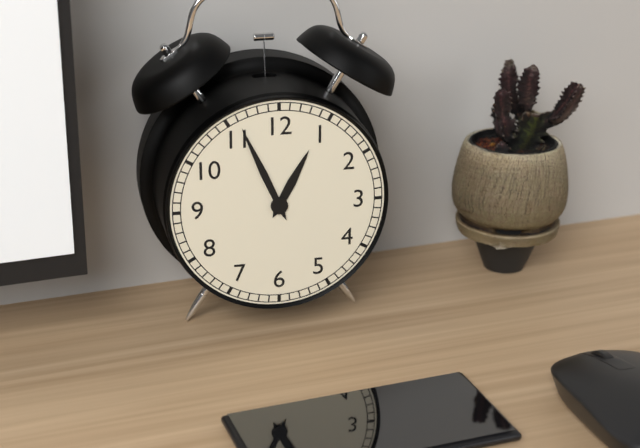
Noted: **12:56**
